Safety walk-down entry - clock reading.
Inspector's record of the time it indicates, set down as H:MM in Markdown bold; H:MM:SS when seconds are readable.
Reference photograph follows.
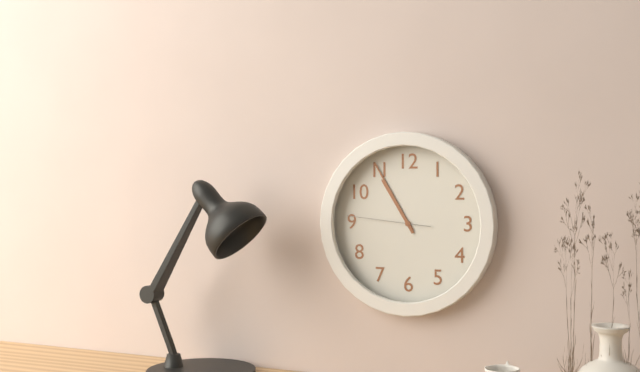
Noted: **10:55:46**
